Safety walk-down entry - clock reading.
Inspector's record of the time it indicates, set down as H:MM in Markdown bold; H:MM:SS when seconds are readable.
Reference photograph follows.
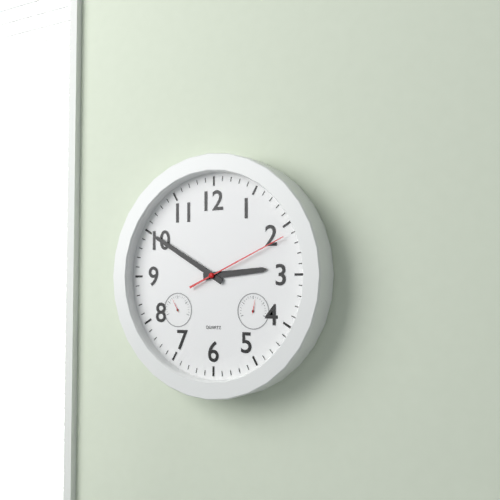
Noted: **2:50:11**
